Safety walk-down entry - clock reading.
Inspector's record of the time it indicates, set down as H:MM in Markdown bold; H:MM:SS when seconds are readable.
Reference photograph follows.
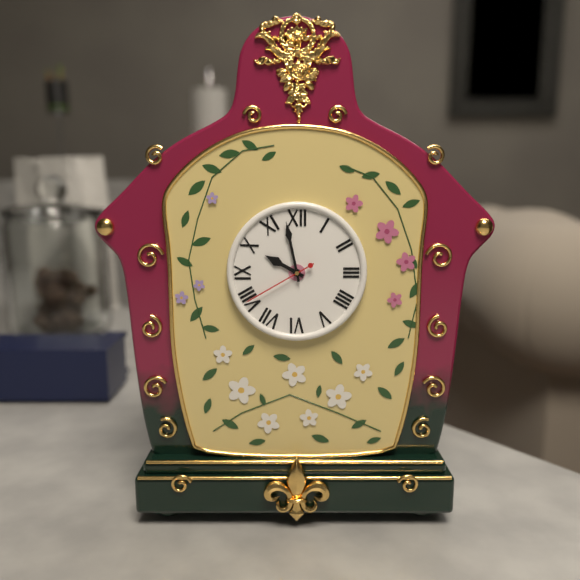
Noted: **9:58:40**
